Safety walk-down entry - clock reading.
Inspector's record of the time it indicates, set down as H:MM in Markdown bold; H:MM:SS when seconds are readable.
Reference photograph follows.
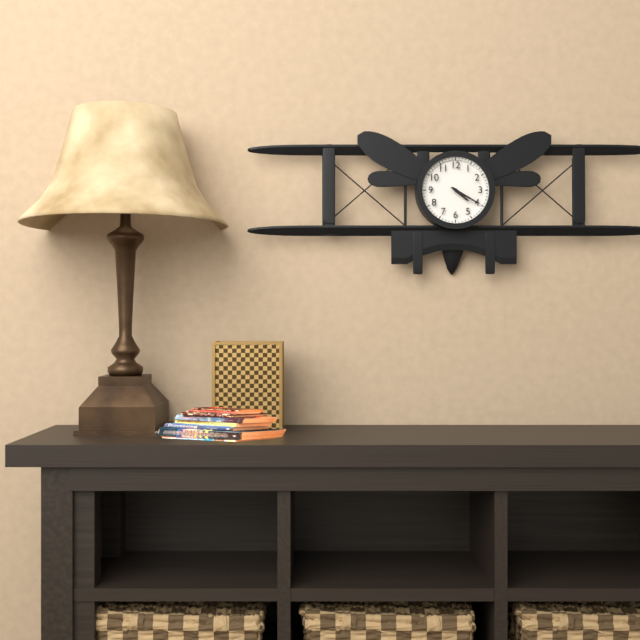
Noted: **4:20**
